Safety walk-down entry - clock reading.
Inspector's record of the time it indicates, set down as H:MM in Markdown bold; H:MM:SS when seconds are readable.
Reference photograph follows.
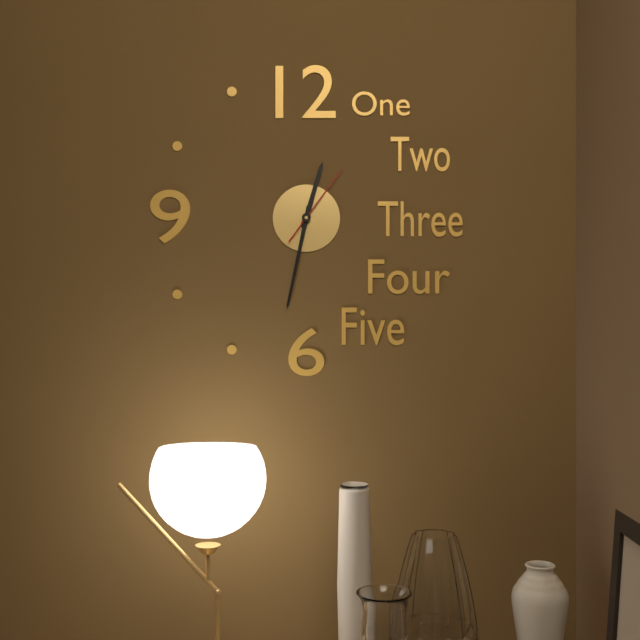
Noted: **12:32:06**
